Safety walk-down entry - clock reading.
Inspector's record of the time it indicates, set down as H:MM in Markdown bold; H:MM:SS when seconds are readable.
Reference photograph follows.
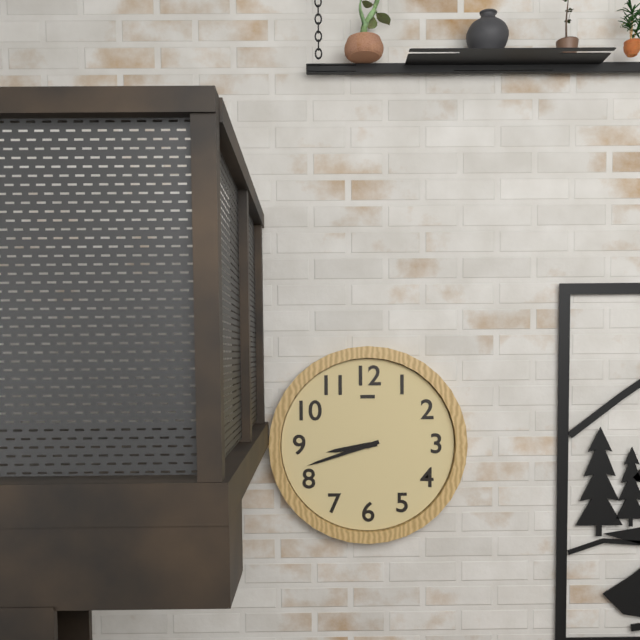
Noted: **8:42**
